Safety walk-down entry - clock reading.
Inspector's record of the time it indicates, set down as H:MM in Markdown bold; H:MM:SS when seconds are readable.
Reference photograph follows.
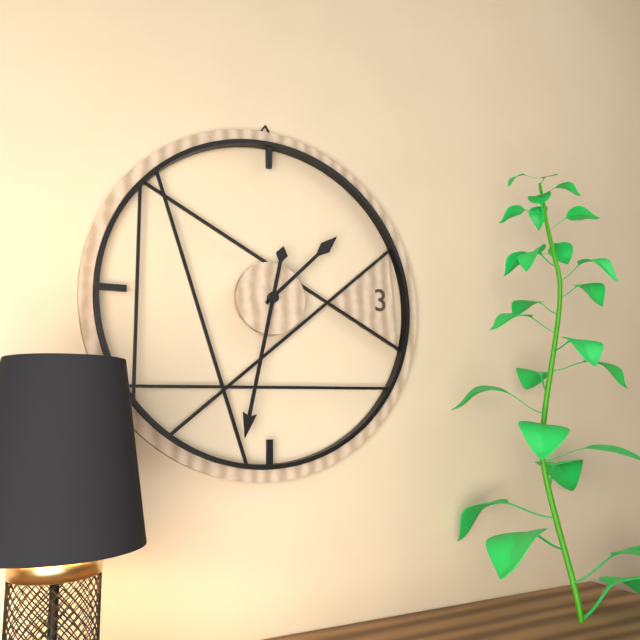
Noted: **1:32**
